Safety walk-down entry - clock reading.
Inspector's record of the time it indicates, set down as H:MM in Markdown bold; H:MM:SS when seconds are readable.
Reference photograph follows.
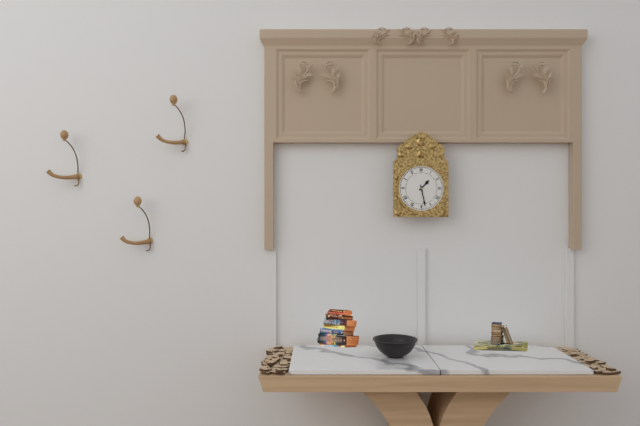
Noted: **1:28**
